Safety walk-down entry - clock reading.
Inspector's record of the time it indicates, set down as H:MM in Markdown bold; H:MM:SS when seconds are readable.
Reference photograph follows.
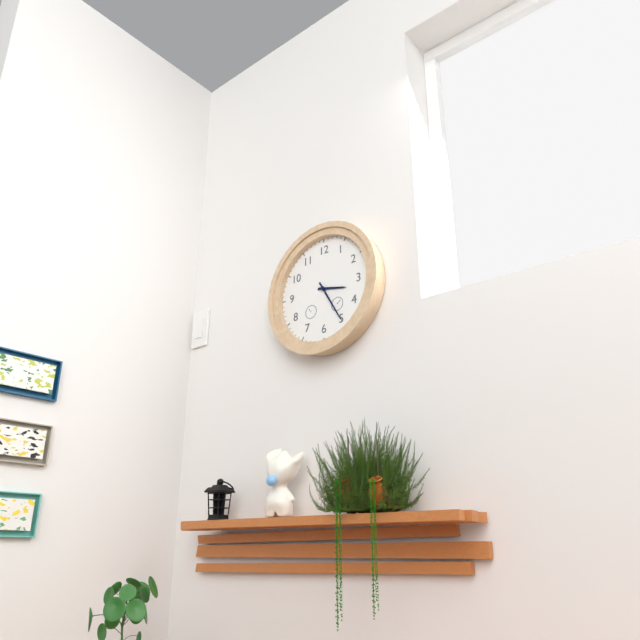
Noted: **3:25**
